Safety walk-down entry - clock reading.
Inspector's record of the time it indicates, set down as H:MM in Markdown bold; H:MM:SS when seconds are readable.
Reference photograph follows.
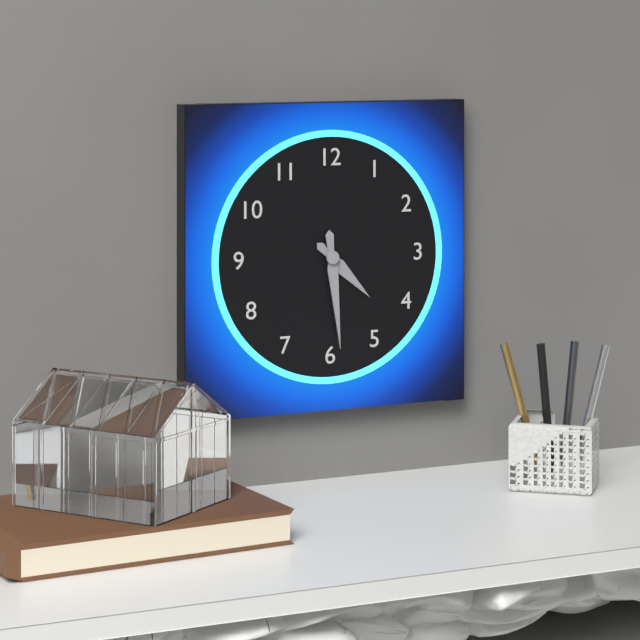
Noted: **4:29**
